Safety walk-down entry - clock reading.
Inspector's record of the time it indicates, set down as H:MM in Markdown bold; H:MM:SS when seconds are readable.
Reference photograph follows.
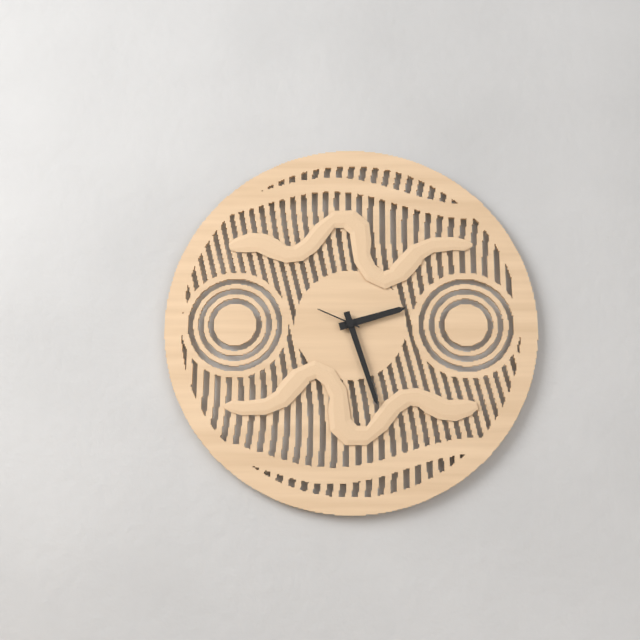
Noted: **2:27**
